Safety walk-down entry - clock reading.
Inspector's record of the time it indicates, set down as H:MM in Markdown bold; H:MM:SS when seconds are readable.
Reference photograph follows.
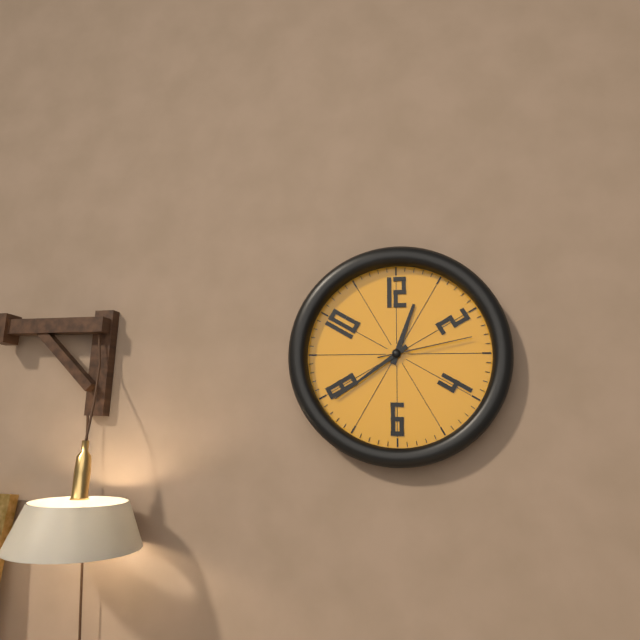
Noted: **12:39:13**
